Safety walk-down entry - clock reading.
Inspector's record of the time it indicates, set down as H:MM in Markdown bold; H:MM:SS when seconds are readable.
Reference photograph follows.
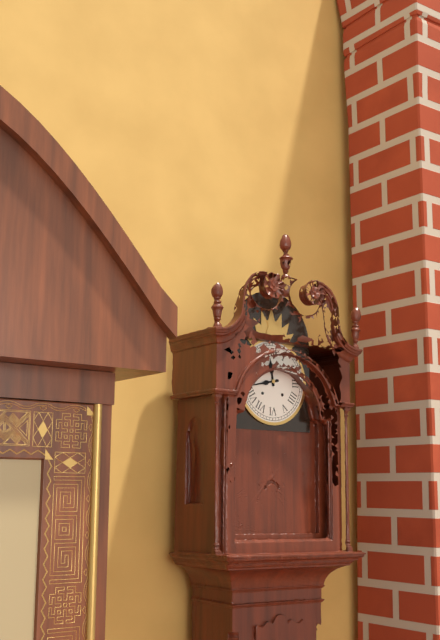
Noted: **11:43**
